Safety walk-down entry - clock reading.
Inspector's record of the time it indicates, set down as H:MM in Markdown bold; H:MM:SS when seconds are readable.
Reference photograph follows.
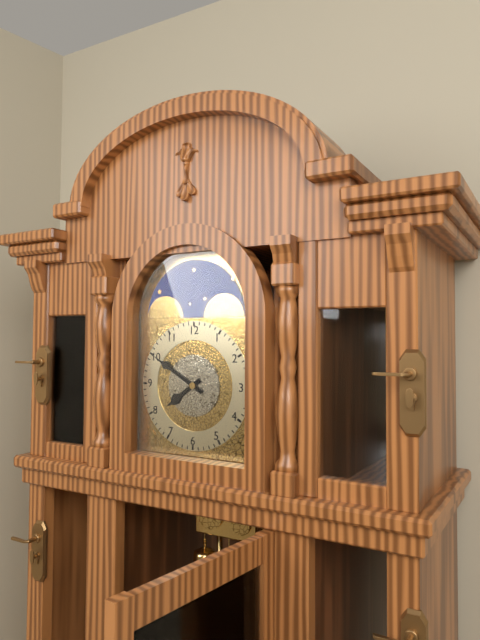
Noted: **7:50**
